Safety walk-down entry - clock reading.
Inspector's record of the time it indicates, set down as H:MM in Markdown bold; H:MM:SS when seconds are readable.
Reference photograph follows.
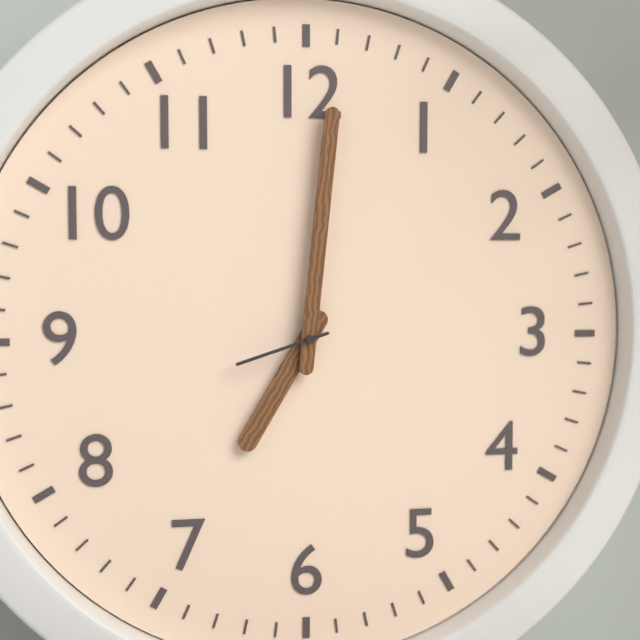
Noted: **7:01:42**
